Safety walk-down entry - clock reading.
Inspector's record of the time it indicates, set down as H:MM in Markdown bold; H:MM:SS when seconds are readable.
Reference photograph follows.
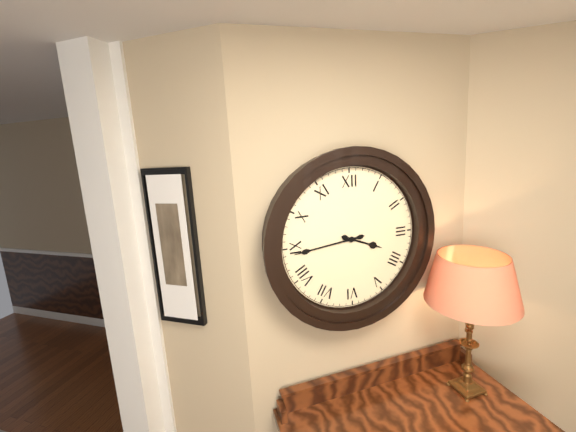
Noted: **3:44**
